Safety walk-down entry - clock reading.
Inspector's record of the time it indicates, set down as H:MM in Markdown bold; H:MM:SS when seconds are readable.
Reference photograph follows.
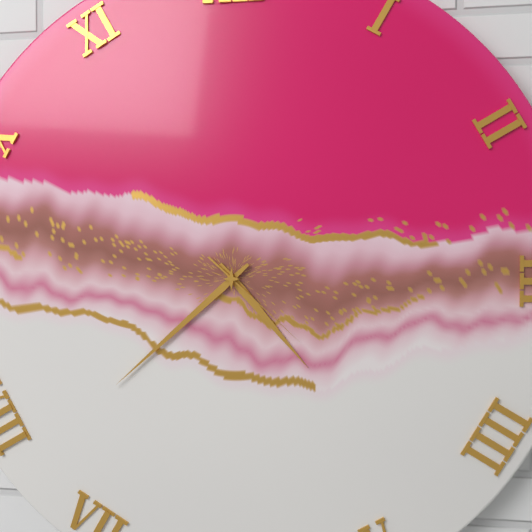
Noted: **4:38:22**
